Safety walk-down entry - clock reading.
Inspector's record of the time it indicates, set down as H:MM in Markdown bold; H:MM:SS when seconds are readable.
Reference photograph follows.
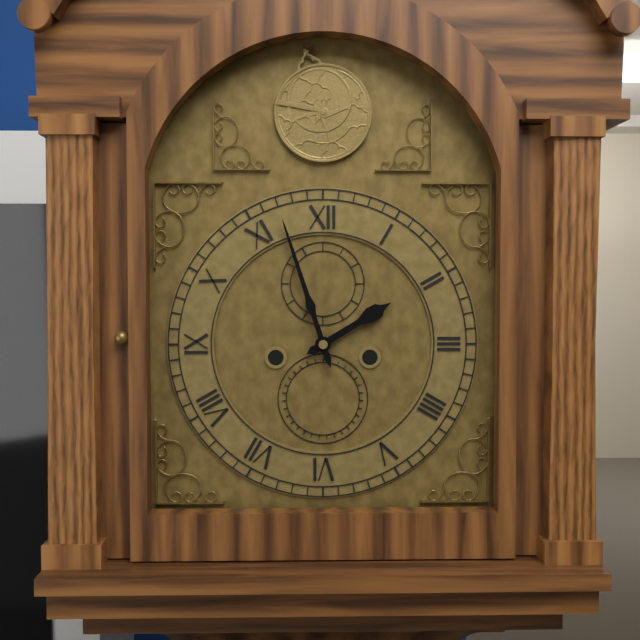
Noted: **1:57**
